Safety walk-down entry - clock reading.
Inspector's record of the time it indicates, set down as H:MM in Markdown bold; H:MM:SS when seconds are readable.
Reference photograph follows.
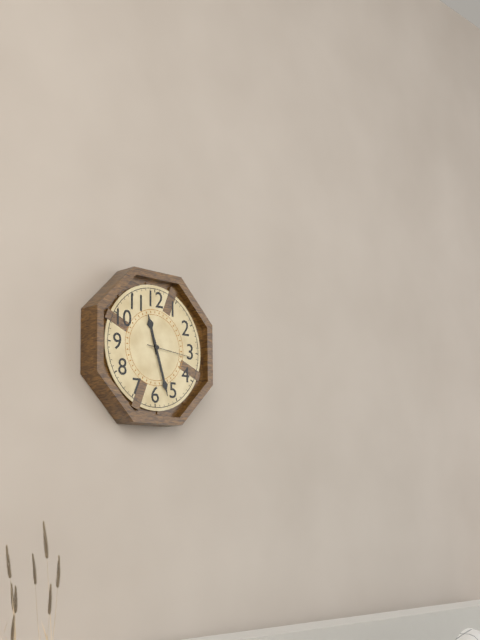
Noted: **11:27**
